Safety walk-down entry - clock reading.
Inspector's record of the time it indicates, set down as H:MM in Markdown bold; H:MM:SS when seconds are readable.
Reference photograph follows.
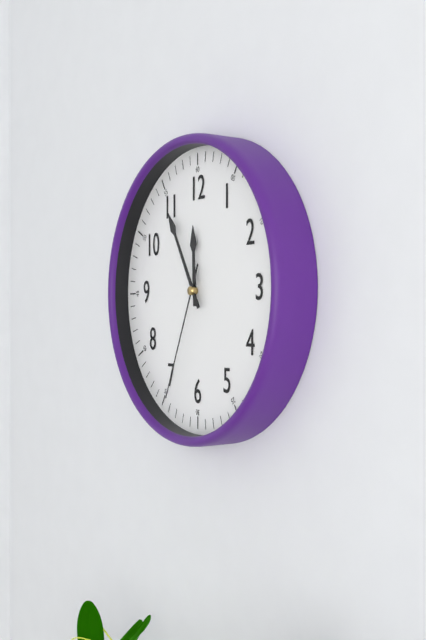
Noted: **11:55:34**
